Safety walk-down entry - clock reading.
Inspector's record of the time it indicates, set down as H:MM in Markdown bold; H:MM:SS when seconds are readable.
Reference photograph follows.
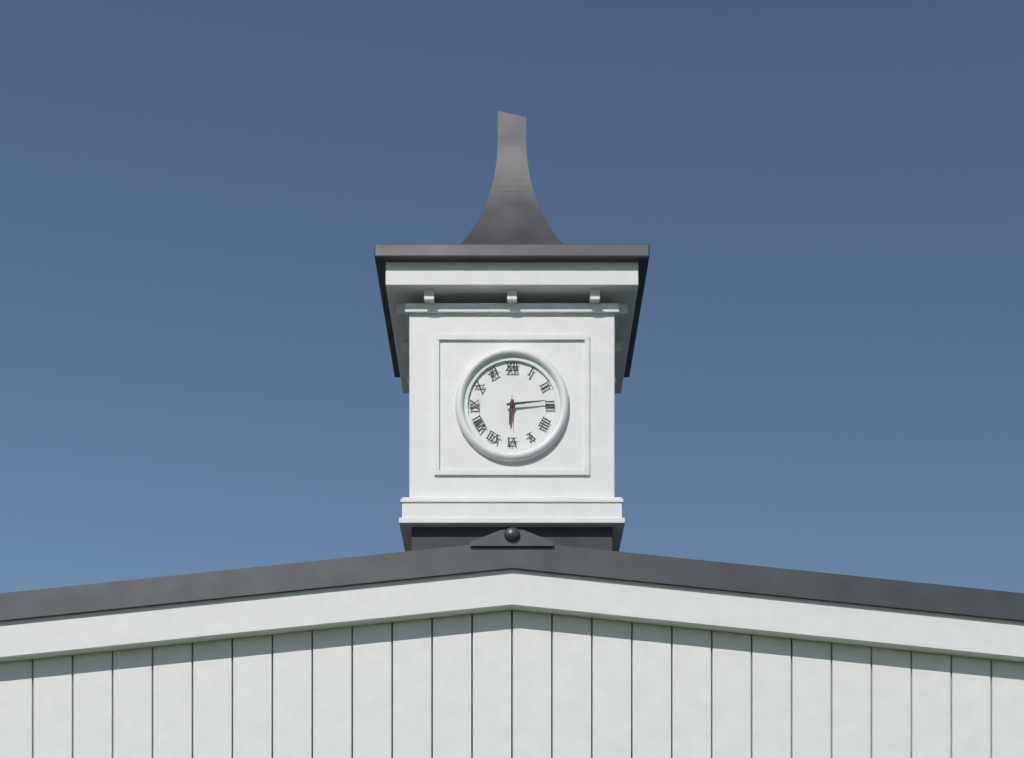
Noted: **6:14**
